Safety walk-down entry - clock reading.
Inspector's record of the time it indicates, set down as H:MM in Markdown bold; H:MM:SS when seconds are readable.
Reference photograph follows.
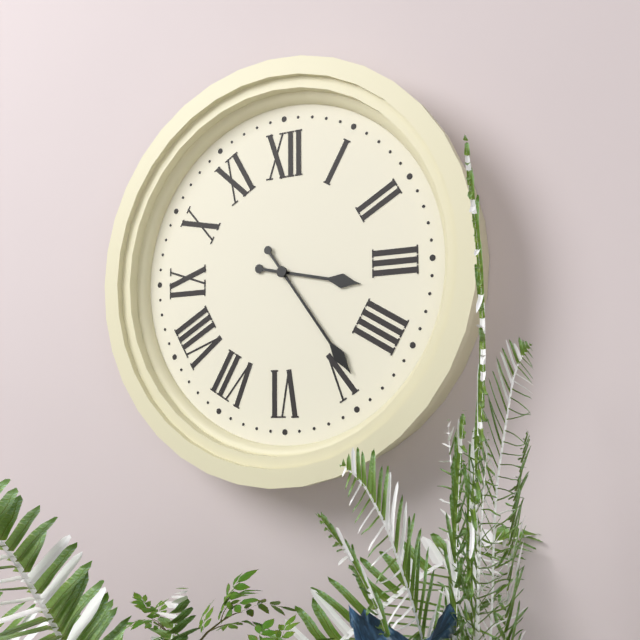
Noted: **3:24**
